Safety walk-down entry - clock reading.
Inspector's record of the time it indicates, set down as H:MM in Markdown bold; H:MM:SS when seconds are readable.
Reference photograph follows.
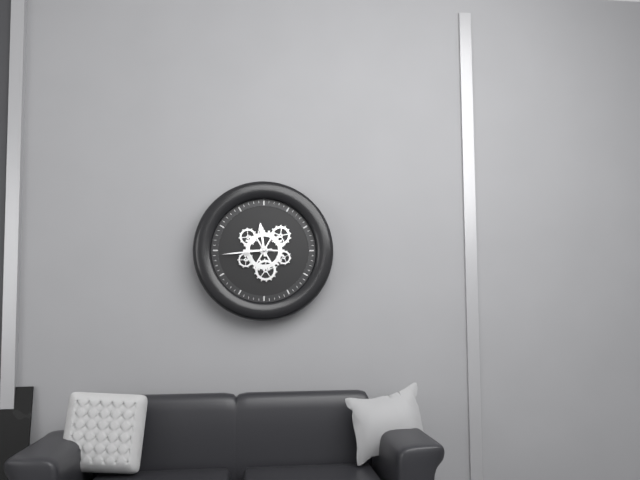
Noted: **11:44**
